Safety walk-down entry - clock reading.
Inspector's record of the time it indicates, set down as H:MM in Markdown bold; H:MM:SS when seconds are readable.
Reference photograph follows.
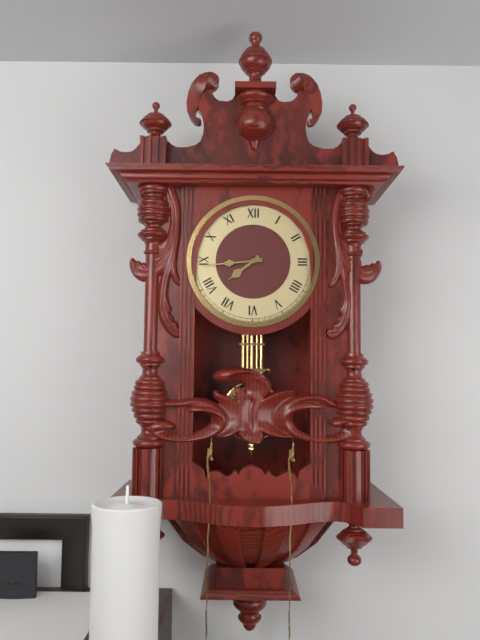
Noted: **7:44**
